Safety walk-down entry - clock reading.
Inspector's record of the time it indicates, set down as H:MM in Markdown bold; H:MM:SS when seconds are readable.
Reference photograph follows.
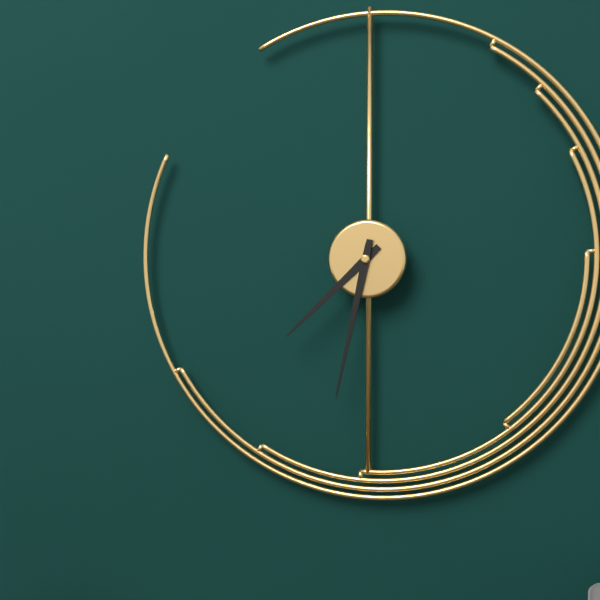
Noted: **7:32**
